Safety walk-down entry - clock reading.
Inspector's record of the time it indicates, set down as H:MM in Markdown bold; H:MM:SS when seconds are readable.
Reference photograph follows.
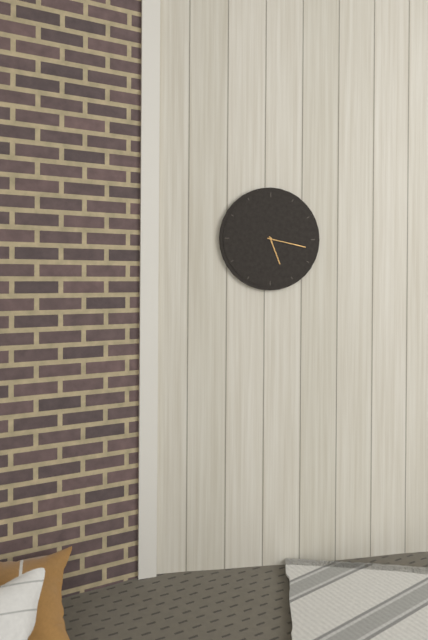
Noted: **5:17**
